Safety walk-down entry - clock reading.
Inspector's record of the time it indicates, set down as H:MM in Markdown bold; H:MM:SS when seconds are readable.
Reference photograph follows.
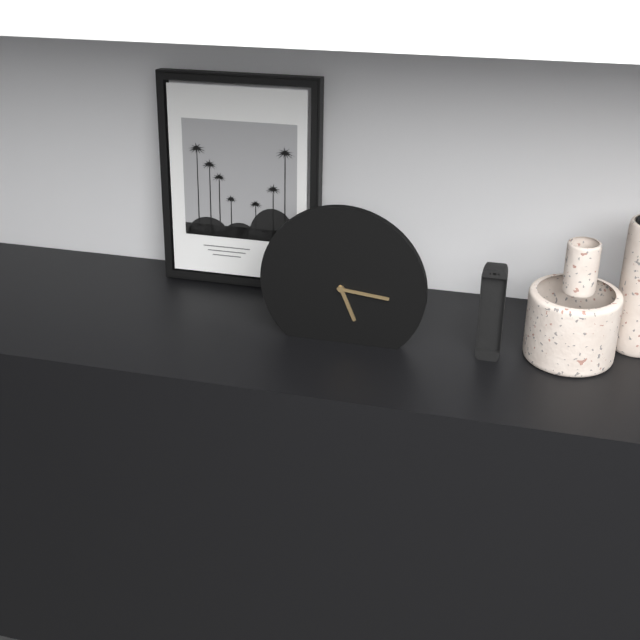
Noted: **5:16**
